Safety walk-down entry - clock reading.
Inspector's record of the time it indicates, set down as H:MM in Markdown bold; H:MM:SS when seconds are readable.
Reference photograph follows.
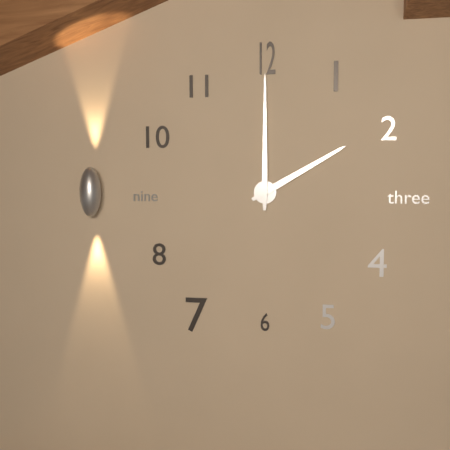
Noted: **2:00**
